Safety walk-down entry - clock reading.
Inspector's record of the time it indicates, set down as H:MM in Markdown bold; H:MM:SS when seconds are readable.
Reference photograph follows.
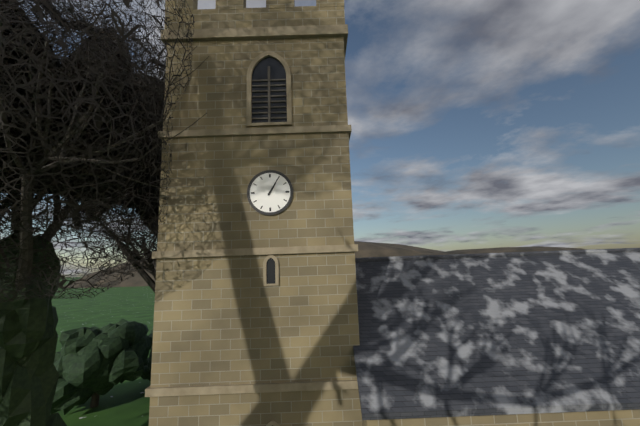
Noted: **1:05**
